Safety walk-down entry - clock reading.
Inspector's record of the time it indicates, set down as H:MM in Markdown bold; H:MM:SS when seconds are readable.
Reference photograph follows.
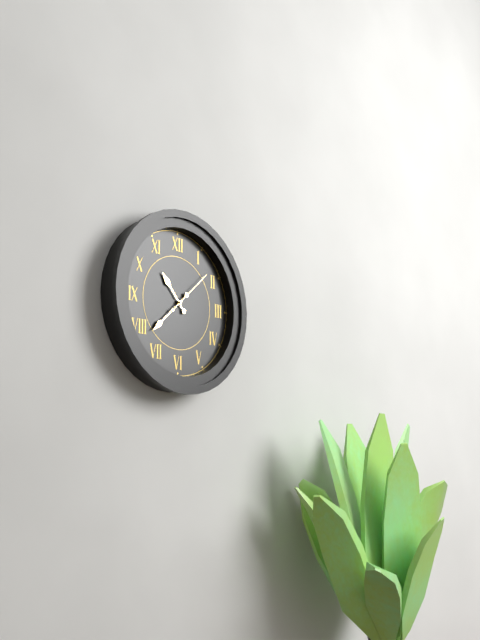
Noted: **10:38:08**
